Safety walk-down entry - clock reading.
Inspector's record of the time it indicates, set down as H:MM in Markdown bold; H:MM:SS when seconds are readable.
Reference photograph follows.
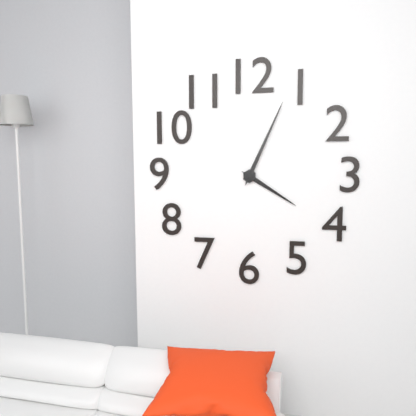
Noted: **4:04**
